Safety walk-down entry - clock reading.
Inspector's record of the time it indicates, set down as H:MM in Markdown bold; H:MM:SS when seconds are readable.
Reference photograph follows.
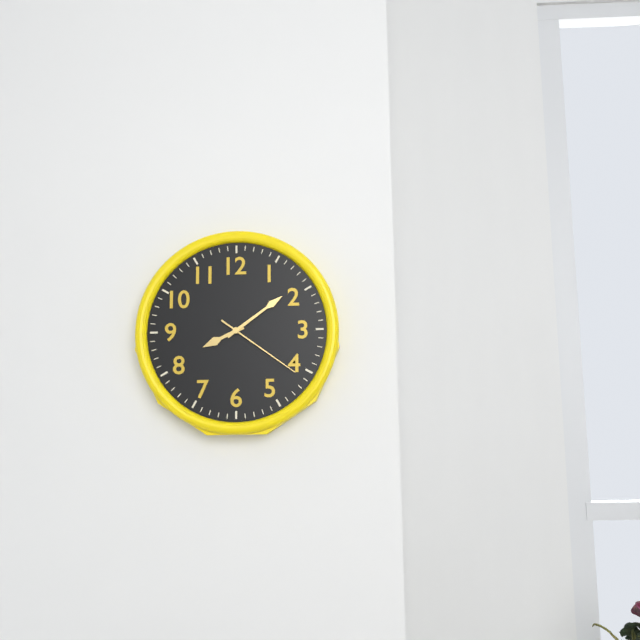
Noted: **8:09:21**
